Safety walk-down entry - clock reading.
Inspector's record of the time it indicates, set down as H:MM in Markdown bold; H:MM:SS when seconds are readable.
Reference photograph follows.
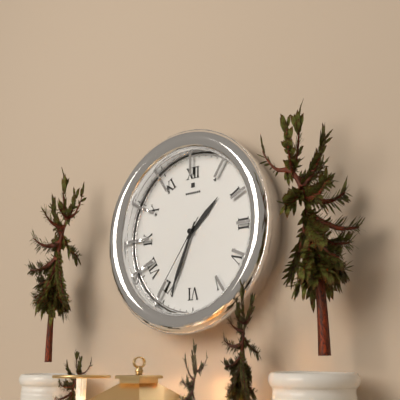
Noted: **1:34:36**
